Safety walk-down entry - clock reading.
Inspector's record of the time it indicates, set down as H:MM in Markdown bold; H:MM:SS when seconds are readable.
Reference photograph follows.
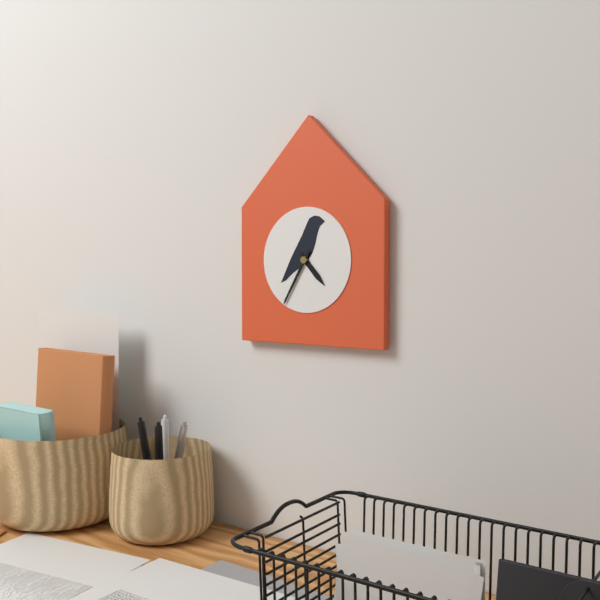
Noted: **4:35**
